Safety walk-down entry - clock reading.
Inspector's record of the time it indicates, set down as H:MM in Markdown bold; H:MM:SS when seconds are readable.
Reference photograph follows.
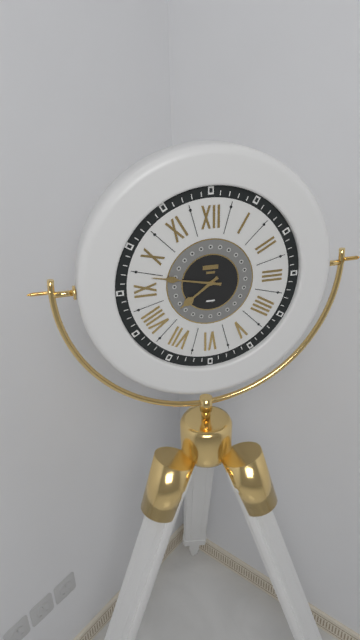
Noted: **7:47**
